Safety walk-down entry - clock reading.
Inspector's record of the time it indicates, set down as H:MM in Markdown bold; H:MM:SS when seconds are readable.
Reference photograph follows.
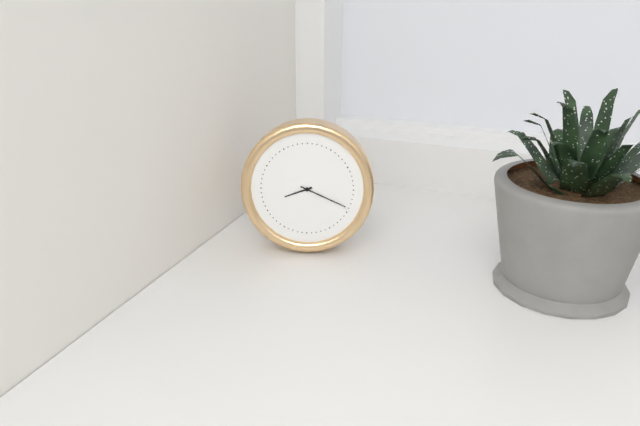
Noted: **8:19**
